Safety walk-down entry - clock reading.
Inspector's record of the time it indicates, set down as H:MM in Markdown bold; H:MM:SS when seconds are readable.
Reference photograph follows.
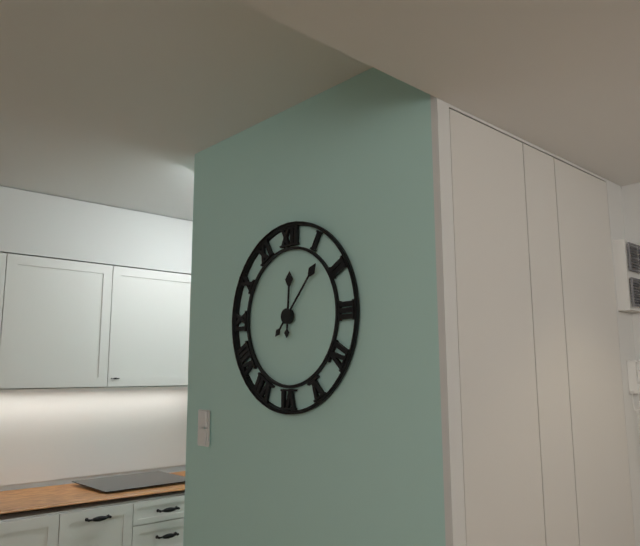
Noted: **12:07**
